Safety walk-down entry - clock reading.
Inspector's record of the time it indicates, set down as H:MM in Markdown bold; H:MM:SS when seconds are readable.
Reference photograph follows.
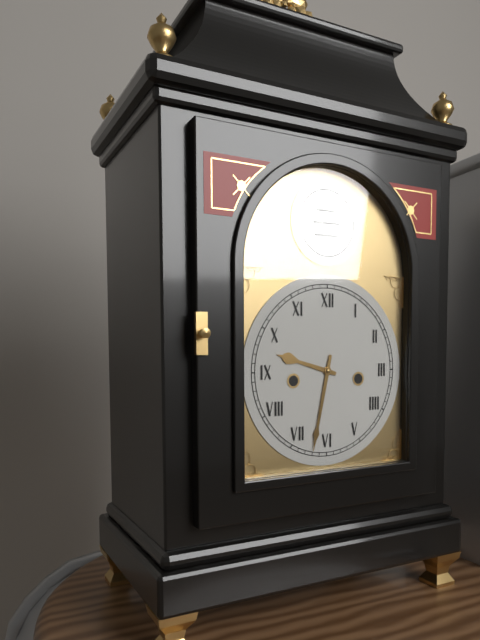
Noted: **9:32**
